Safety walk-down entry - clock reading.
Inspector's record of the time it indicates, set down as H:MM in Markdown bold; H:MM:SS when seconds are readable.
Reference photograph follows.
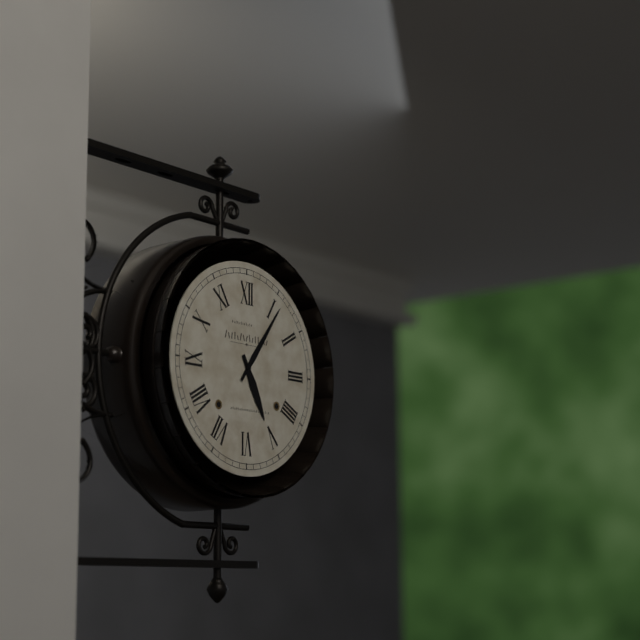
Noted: **5:06**
